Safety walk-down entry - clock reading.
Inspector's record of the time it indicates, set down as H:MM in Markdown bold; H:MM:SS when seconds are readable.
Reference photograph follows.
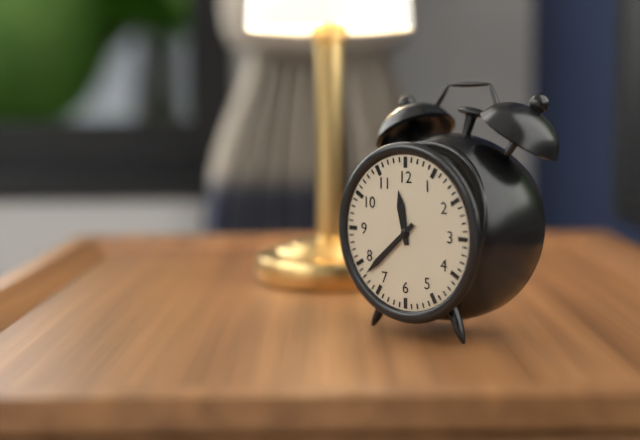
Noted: **11:38**
